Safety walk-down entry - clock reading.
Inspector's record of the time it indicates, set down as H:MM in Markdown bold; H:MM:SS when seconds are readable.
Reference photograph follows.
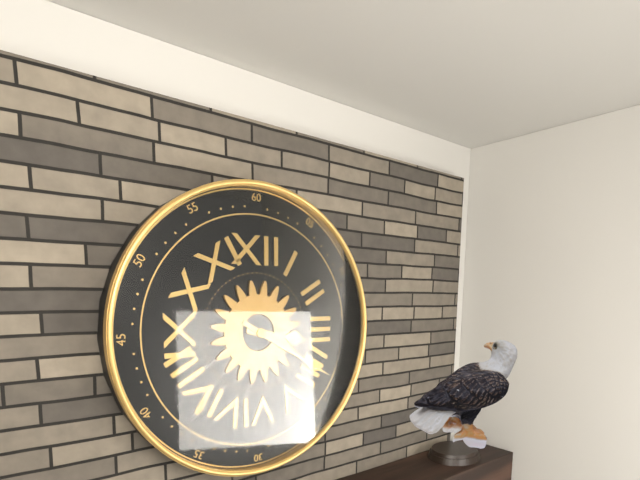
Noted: **3:20**
